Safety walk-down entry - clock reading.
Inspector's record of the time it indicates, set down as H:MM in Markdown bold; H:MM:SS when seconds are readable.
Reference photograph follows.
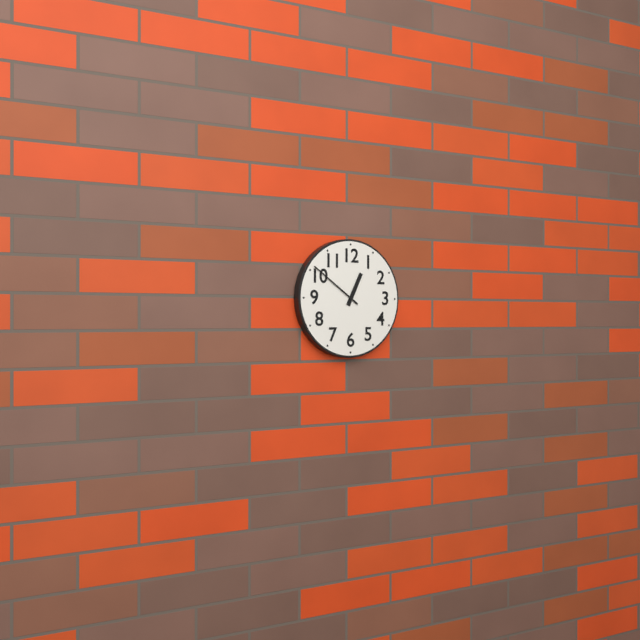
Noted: **12:51**
